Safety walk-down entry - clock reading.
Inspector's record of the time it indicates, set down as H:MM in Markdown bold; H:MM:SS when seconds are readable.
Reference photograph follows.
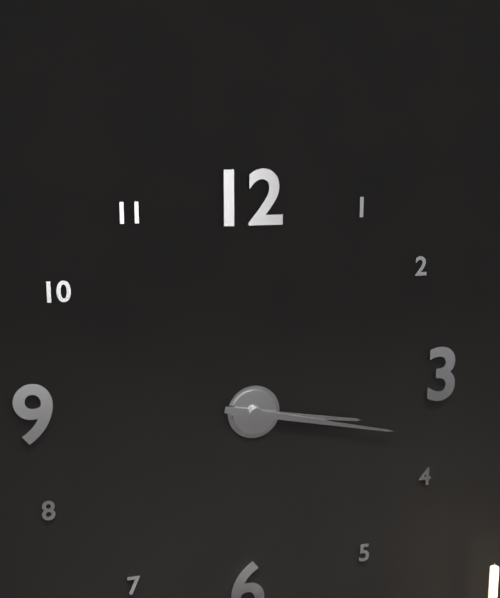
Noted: **3:17**
